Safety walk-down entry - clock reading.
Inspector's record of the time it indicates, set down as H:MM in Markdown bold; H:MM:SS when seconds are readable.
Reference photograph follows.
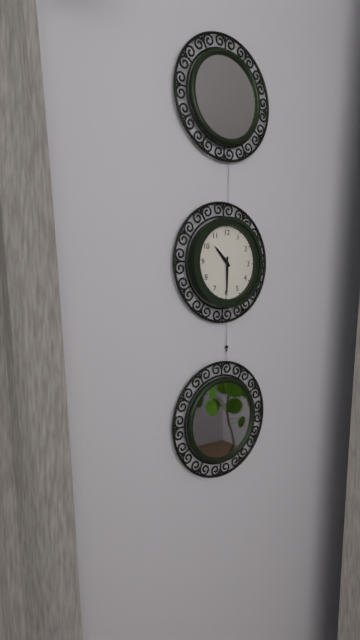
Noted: **10:30**
